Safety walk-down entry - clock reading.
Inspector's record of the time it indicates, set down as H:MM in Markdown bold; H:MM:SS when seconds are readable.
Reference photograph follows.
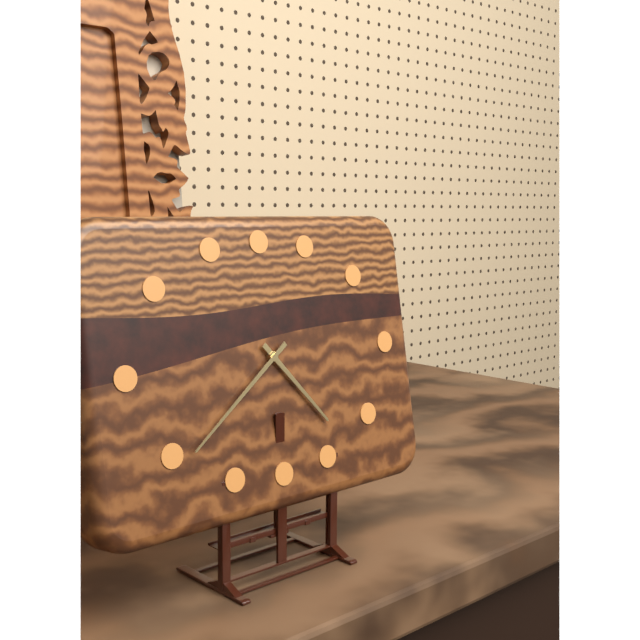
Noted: **4:39**
